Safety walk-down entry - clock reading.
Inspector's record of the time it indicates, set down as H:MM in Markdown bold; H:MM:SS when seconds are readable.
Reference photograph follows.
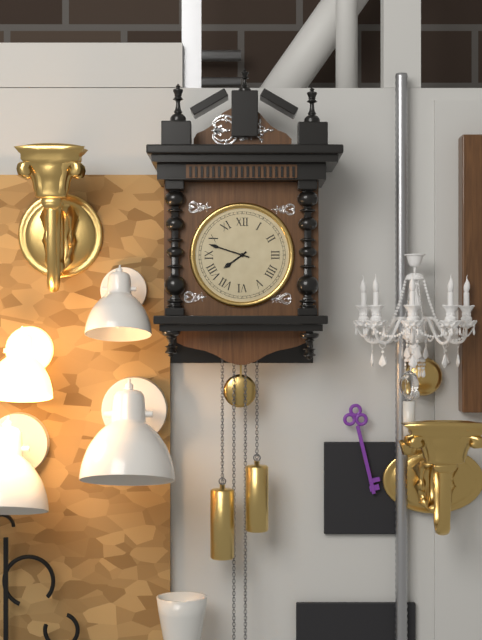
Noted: **7:48**
